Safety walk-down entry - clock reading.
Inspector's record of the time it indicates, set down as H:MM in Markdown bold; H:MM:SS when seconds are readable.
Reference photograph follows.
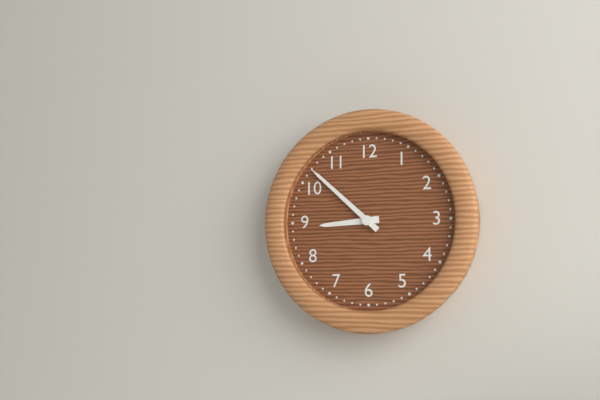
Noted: **8:52**
